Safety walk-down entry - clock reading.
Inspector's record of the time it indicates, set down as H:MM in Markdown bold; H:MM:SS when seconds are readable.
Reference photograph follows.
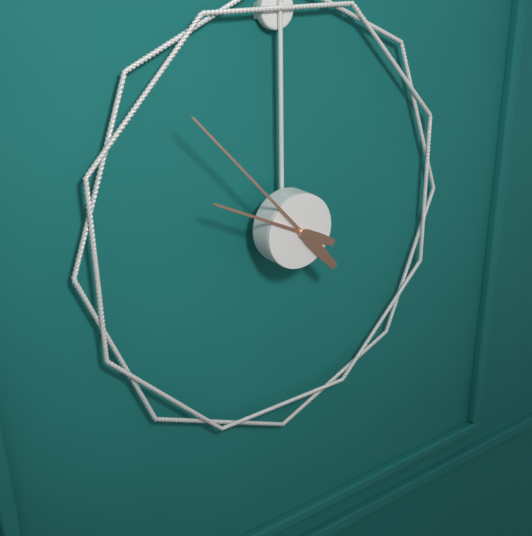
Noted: **9:53**
